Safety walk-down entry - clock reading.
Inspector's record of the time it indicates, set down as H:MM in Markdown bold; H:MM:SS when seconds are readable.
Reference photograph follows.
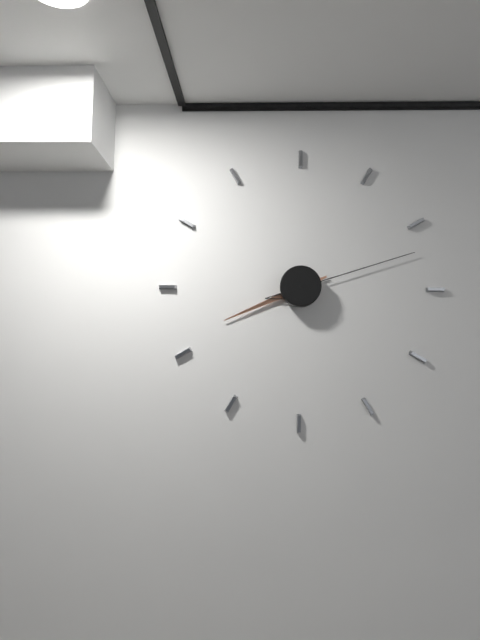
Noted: **8:12**
